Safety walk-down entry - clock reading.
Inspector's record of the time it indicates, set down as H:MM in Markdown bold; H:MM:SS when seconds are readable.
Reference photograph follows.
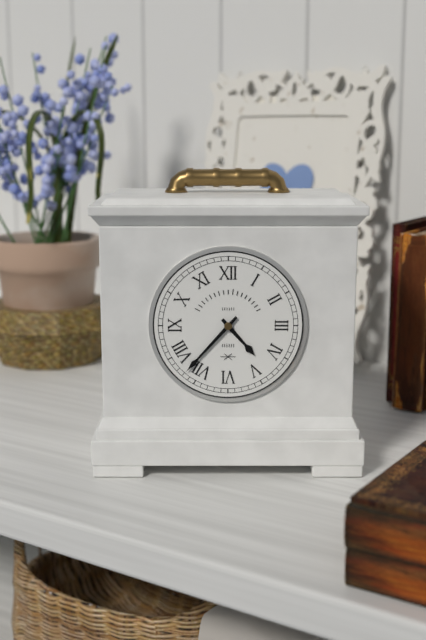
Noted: **4:37**
